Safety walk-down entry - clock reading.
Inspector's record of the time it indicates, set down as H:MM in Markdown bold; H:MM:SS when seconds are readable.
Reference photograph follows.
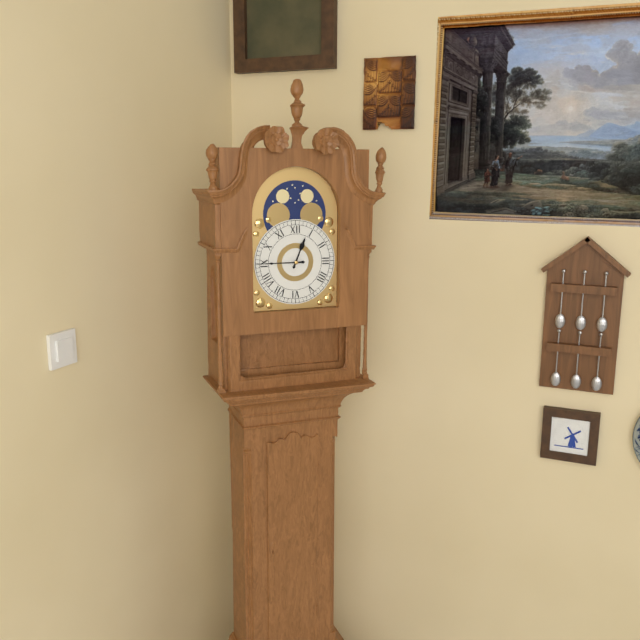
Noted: **12:45**
